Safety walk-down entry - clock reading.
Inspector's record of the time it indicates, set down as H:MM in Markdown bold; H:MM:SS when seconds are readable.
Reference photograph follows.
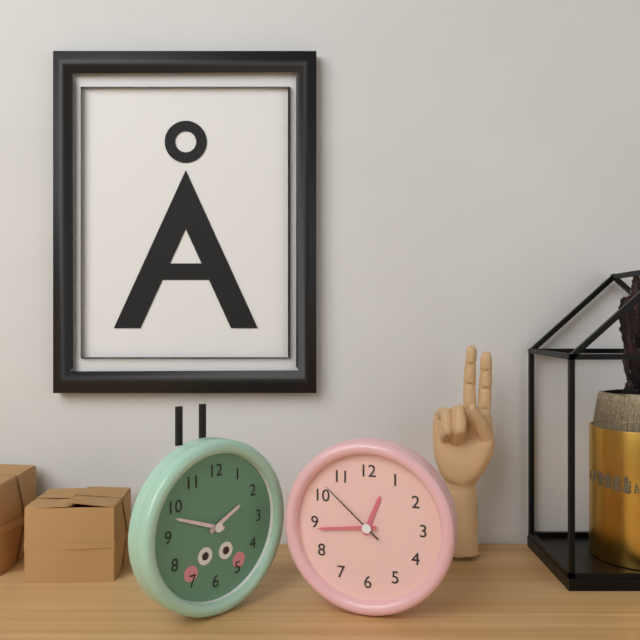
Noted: **12:44:52**
